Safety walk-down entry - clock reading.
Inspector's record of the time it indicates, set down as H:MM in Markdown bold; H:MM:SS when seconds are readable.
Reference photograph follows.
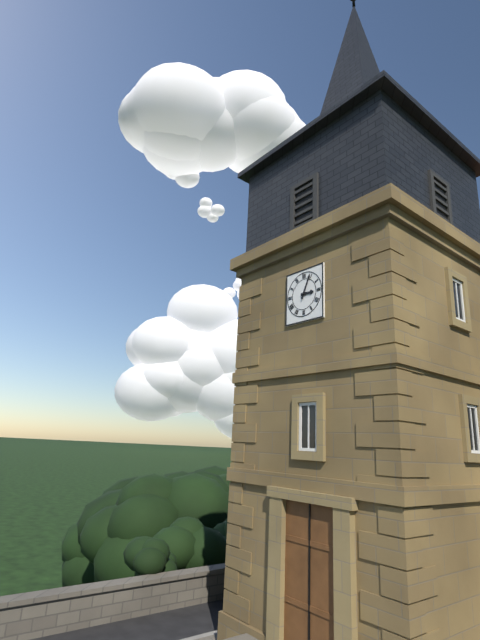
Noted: **3:04**
